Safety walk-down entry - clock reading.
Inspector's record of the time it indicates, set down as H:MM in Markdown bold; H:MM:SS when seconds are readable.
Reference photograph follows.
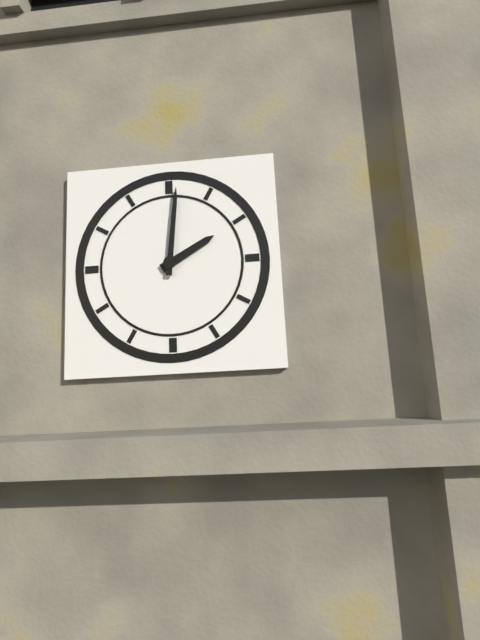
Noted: **2:01**
